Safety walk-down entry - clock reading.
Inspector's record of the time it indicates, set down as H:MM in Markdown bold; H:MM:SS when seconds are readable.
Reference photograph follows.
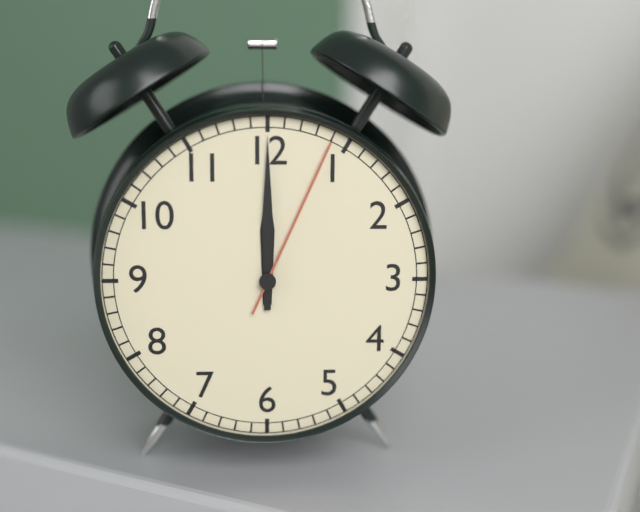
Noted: **12:00:04**
